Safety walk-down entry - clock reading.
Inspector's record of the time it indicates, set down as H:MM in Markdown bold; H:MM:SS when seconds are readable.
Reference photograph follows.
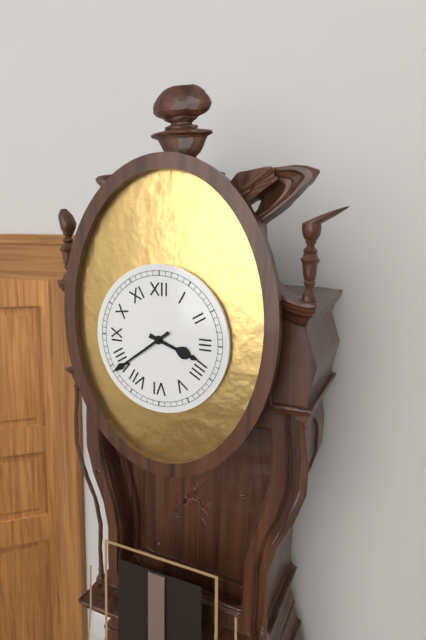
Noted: **3:39**
